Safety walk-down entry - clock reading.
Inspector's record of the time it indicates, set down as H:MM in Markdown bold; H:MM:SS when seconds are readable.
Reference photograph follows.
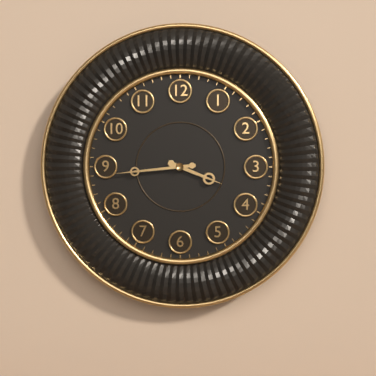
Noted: **3:44**
